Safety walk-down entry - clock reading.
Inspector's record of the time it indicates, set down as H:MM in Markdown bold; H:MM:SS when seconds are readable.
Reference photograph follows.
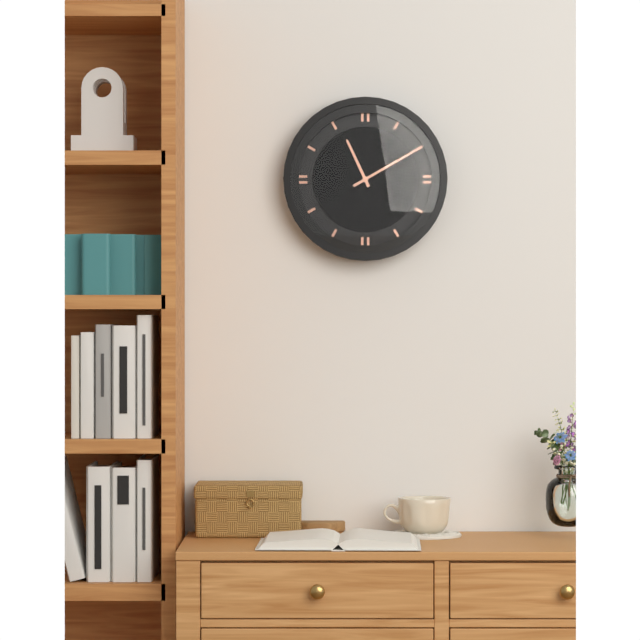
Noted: **11:10**
